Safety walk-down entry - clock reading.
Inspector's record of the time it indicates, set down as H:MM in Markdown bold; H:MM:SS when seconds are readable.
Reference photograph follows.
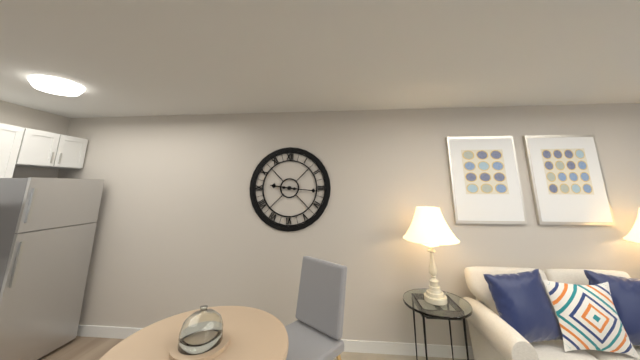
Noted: **9:16**
